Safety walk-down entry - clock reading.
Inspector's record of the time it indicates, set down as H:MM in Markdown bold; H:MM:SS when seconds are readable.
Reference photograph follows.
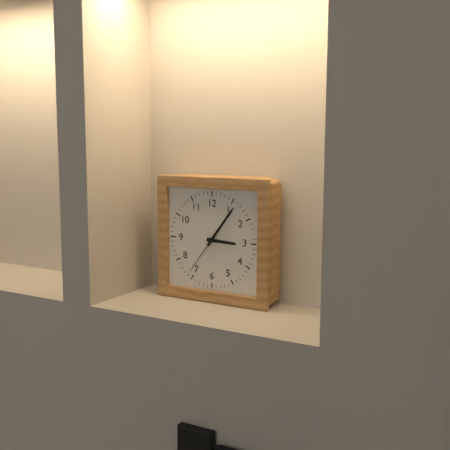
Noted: **3:06**
